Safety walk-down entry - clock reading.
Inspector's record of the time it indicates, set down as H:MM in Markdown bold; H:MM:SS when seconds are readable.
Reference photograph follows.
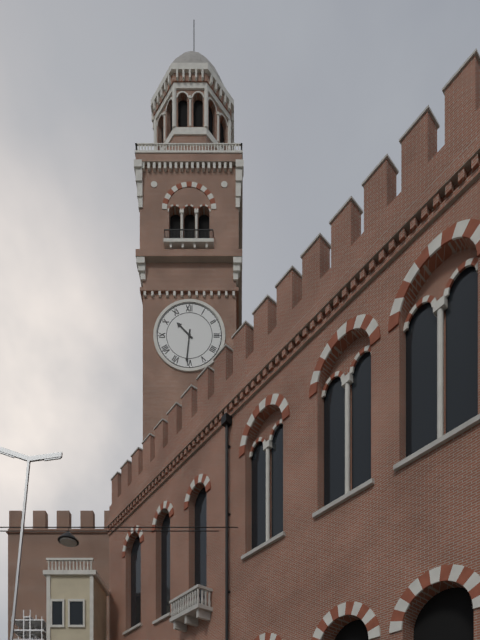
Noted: **10:31**
